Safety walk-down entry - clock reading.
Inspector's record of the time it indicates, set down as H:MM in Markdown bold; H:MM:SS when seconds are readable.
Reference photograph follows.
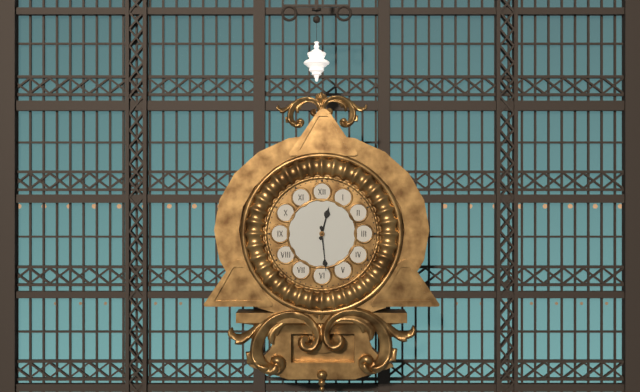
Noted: **12:29**
